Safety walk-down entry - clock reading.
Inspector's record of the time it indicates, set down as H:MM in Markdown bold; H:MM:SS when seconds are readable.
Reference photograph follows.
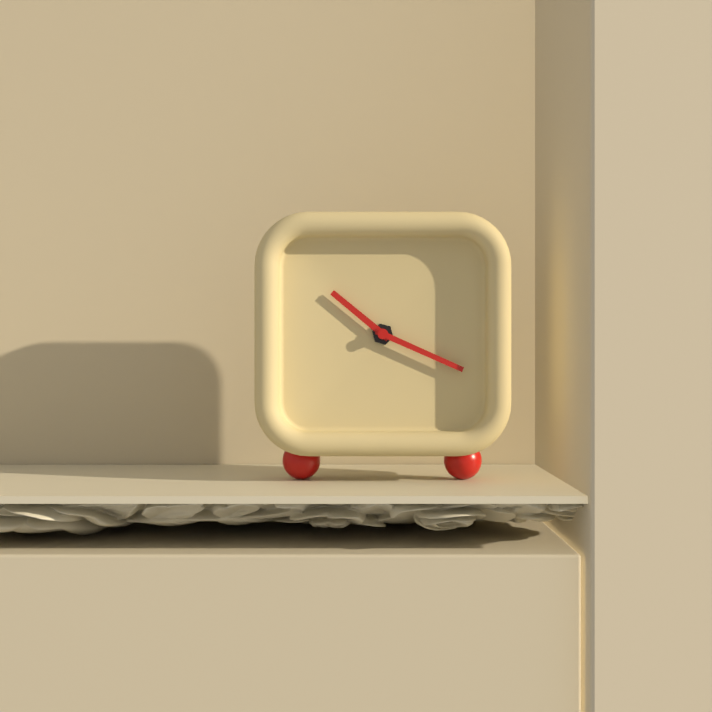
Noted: **10:19**
